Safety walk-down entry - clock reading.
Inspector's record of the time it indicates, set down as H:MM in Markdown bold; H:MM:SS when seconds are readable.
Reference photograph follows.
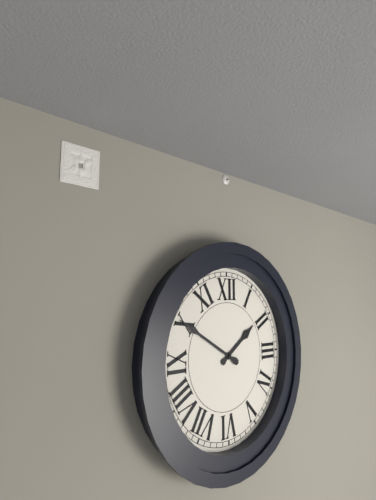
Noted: **1:50**
